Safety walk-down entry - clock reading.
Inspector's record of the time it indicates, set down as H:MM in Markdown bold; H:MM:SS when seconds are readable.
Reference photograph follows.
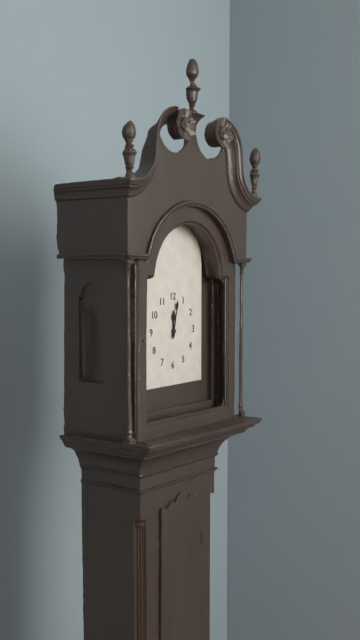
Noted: **12:02**
